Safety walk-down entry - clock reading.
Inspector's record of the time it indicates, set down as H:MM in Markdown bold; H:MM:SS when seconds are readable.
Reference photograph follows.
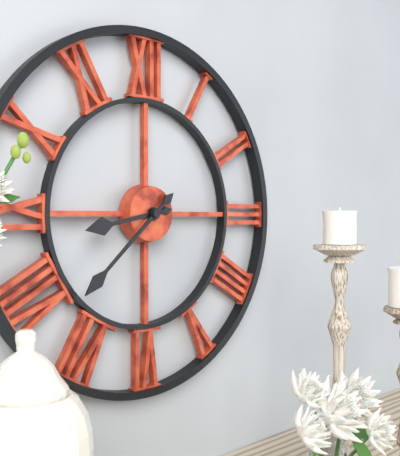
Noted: **8:38**
